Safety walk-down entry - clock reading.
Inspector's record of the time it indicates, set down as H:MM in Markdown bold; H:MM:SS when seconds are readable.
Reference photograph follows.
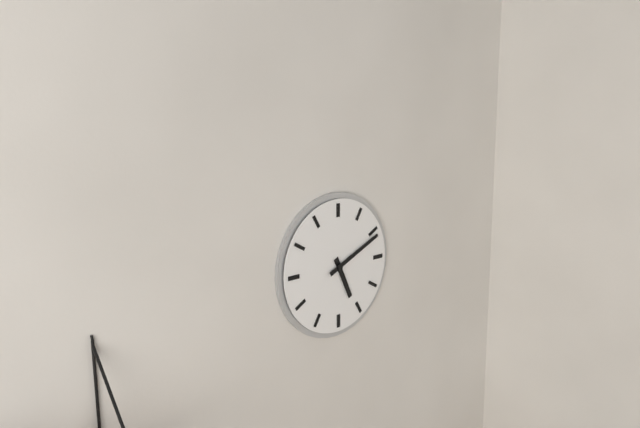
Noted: **5:11**
